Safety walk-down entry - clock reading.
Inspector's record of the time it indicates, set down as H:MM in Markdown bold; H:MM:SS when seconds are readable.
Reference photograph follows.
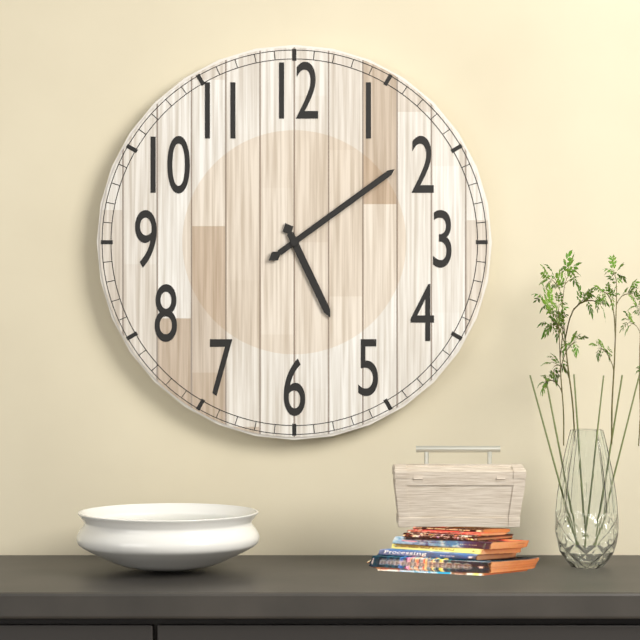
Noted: **5:09**
